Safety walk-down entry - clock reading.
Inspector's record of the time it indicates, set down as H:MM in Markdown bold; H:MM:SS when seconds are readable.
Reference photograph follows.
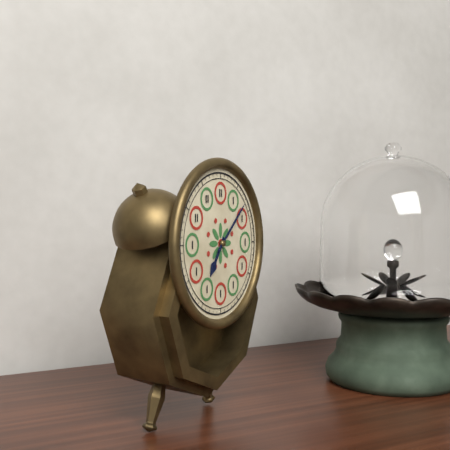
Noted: **7:08**
